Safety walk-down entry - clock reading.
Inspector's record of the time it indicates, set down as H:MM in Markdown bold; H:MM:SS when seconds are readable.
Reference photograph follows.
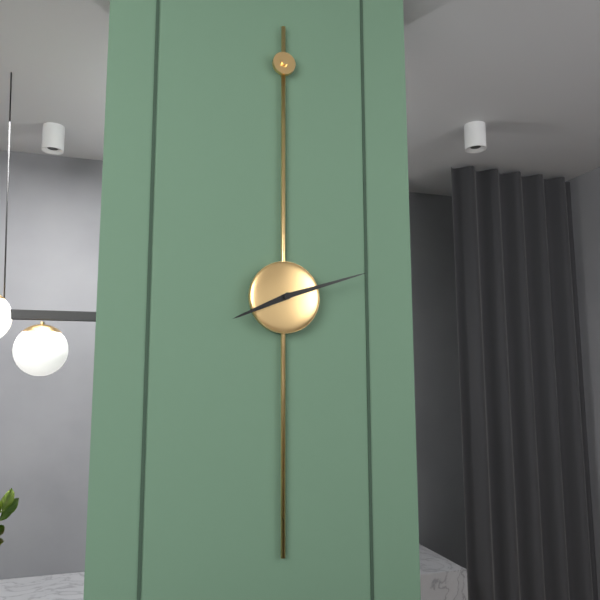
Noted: **8:12**
